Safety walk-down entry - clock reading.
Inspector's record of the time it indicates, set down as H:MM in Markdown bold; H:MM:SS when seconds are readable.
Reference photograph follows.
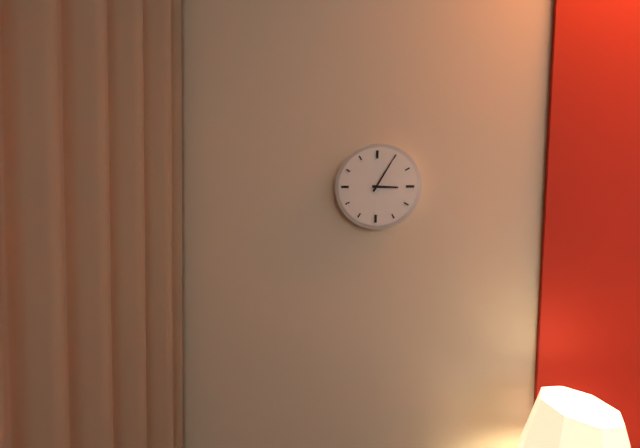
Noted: **3:05**
